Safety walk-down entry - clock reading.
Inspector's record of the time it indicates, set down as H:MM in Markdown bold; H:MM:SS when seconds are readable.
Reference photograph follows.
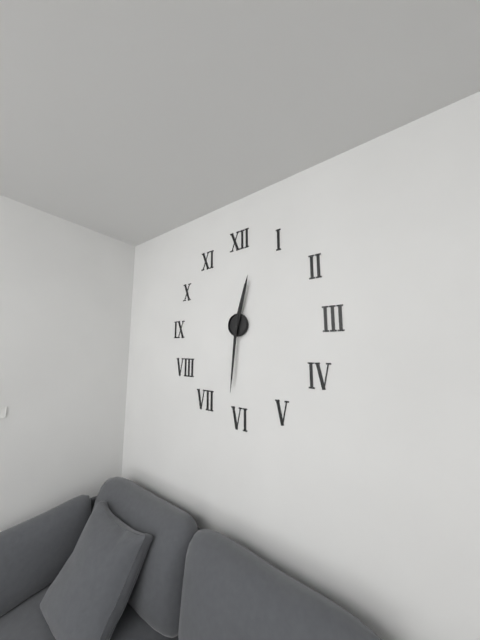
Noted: **12:31**
